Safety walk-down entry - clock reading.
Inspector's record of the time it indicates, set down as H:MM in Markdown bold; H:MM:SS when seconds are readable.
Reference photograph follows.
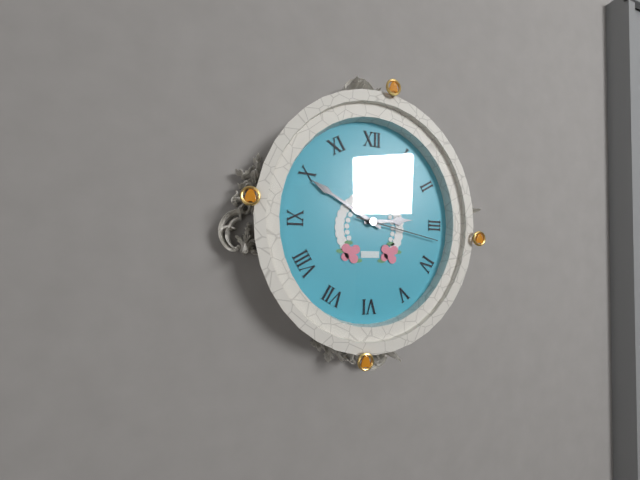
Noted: **2:50:17**
